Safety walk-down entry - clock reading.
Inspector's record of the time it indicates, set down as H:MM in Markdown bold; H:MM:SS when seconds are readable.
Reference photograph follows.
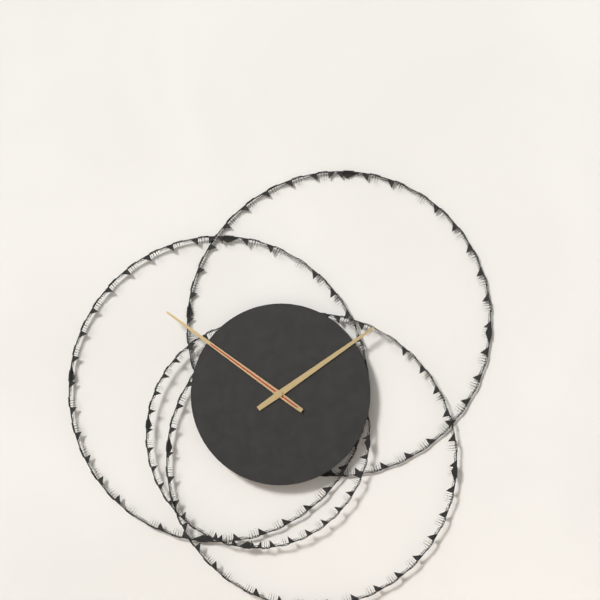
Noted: **1:51:51**
